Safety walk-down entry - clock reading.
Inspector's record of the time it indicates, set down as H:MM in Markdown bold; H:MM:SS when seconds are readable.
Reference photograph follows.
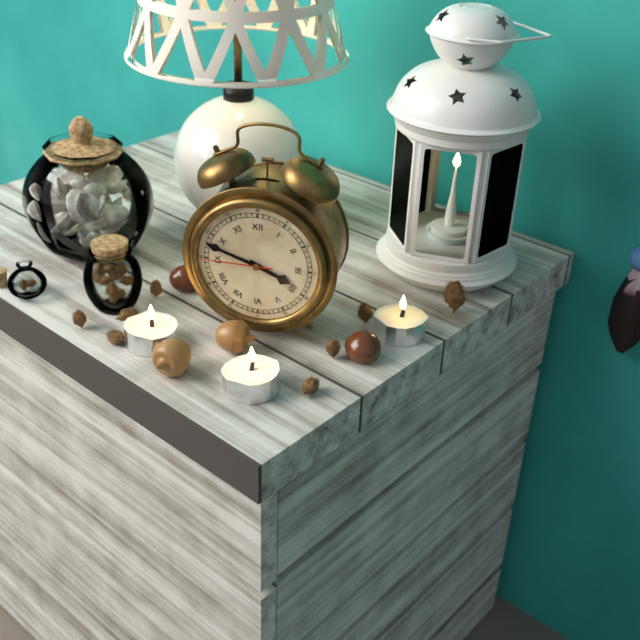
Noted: **3:48:45**
